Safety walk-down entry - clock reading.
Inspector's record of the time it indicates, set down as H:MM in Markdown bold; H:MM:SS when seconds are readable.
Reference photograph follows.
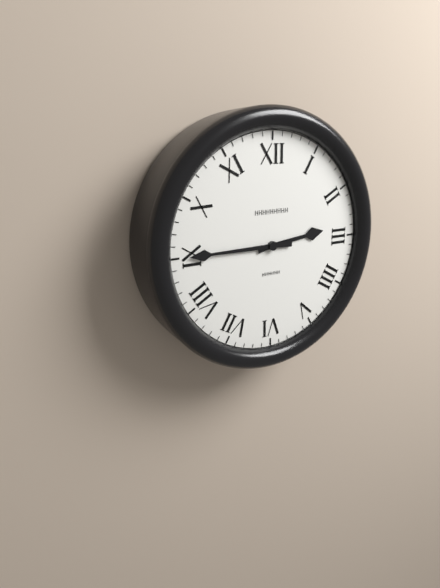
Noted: **2:45**
